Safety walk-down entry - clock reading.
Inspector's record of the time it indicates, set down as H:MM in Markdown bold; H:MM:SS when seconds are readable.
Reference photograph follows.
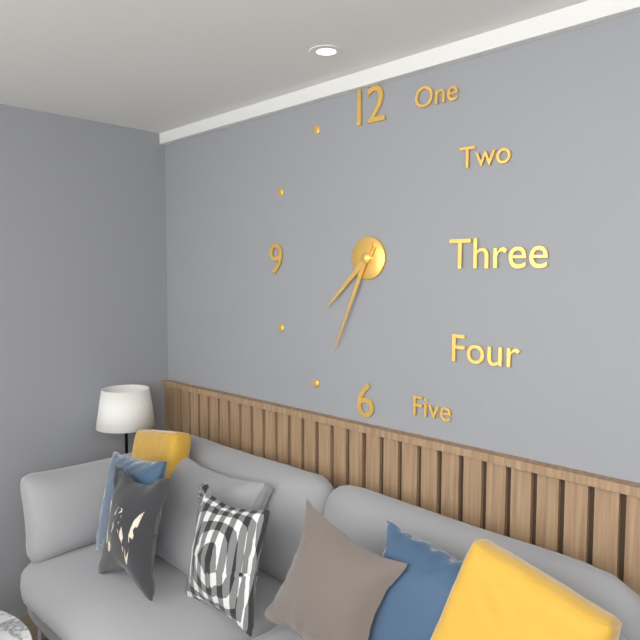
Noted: **7:34**
